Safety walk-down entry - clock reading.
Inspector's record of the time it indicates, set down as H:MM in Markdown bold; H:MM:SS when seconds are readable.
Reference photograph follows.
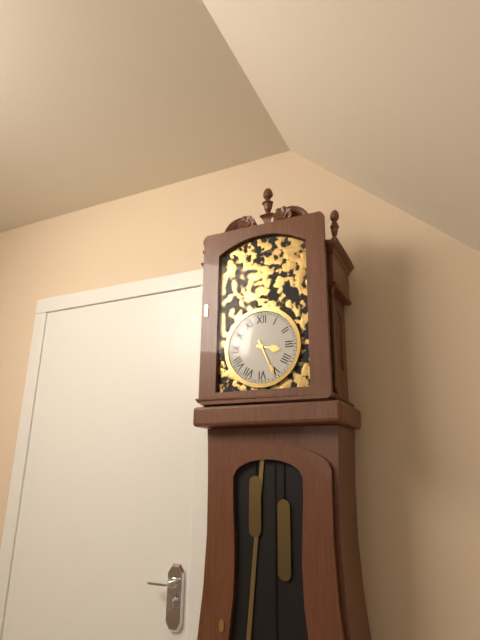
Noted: **3:26**
